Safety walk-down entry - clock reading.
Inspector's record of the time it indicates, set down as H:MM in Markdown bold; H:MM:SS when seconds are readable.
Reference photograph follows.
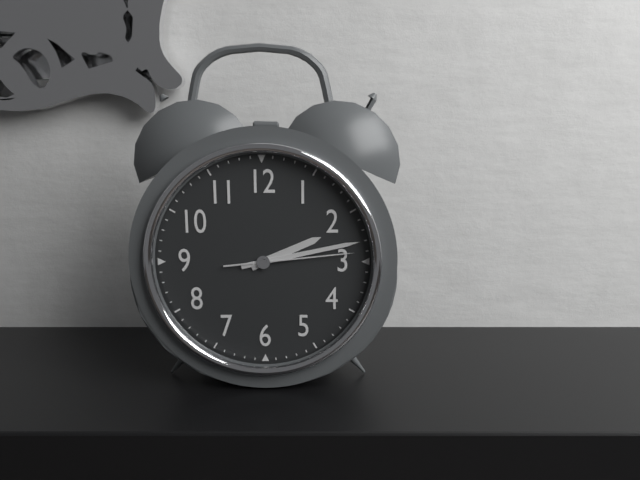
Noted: **2:13:14**
